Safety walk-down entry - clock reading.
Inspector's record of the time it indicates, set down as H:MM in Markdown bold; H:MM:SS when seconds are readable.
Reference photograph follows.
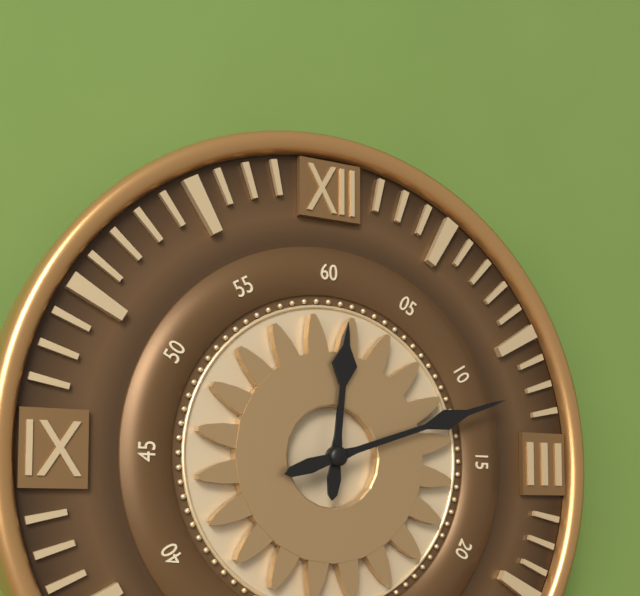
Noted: **12:12**
